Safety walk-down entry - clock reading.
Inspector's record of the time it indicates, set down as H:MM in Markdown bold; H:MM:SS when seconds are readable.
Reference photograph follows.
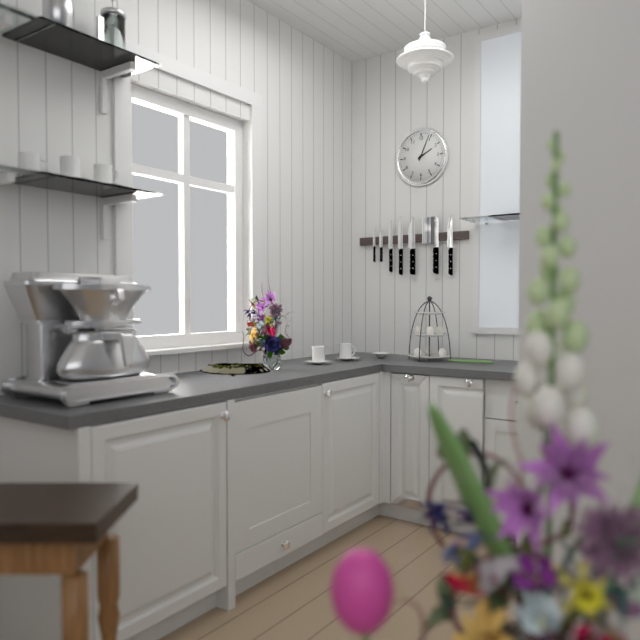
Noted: **2:04**
